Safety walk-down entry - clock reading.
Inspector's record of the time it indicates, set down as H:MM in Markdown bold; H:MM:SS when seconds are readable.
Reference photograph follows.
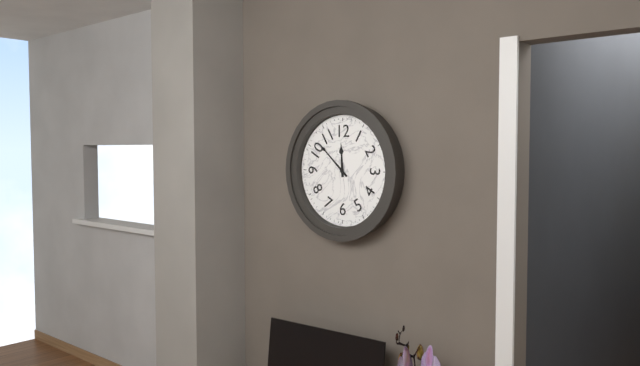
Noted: **11:52**
